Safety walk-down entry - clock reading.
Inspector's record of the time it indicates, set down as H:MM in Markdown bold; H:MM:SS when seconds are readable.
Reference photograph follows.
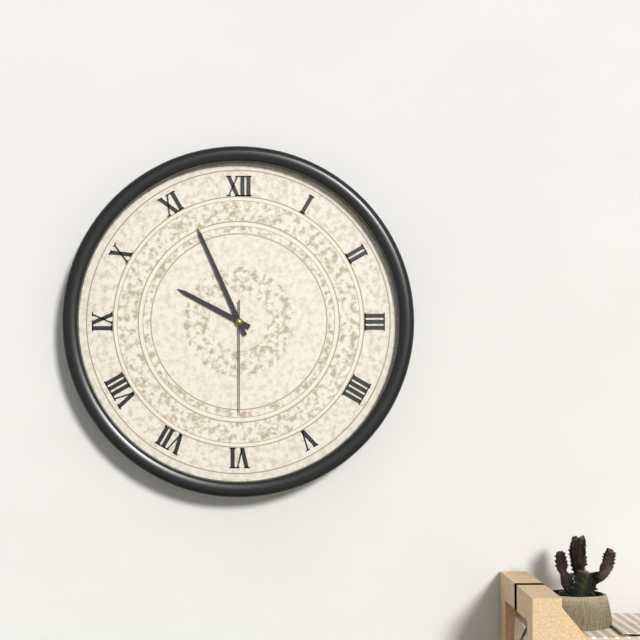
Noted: **9:56:30**
